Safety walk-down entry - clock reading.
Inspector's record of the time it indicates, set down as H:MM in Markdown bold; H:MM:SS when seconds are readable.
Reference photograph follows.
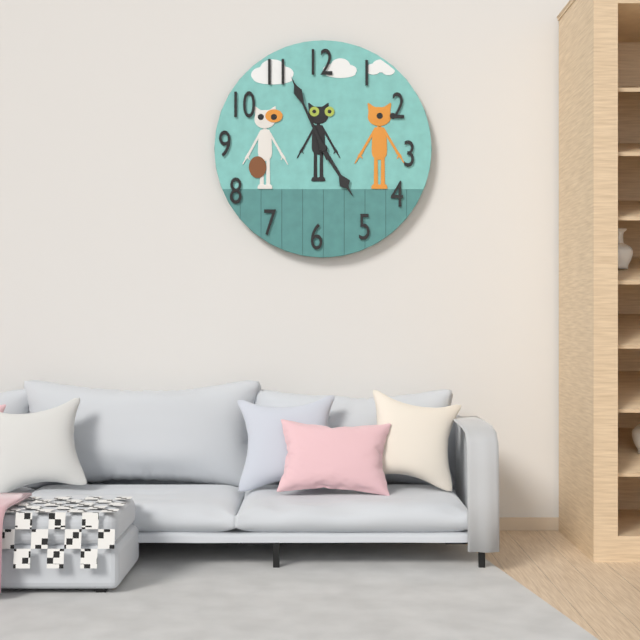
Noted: **4:56**
